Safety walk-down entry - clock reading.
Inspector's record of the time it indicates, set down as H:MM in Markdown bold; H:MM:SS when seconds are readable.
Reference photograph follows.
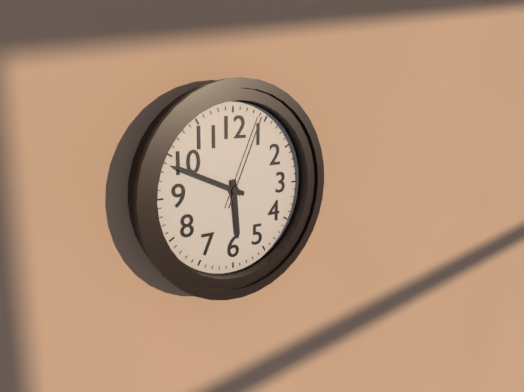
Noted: **5:49:04**
